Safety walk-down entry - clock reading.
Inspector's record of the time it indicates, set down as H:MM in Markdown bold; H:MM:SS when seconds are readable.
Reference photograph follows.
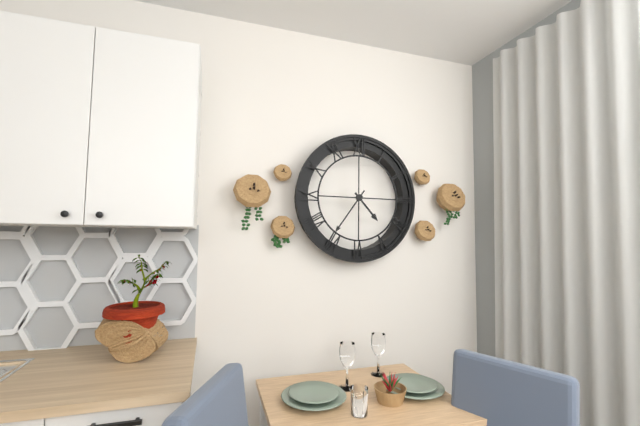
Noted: **4:36**
